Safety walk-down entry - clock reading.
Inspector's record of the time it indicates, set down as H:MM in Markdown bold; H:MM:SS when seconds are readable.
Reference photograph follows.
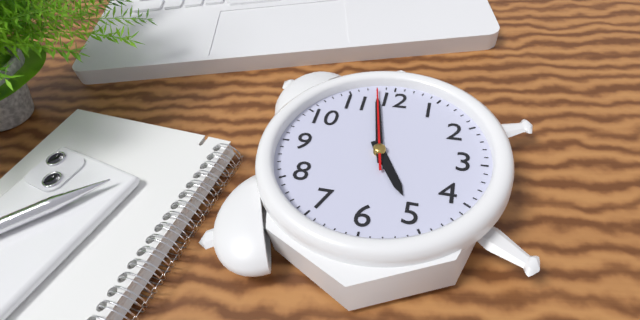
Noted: **4:58:58**
